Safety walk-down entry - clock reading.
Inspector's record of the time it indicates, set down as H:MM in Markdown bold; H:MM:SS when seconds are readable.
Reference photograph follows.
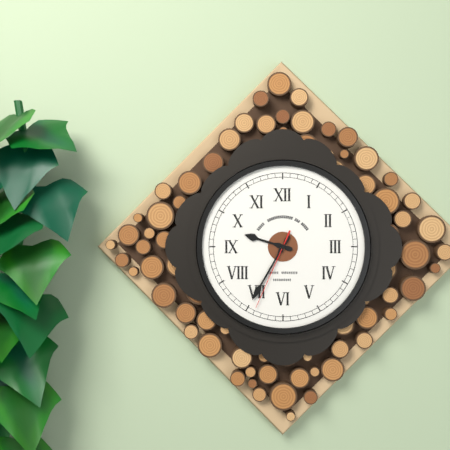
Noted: **9:35:34**
